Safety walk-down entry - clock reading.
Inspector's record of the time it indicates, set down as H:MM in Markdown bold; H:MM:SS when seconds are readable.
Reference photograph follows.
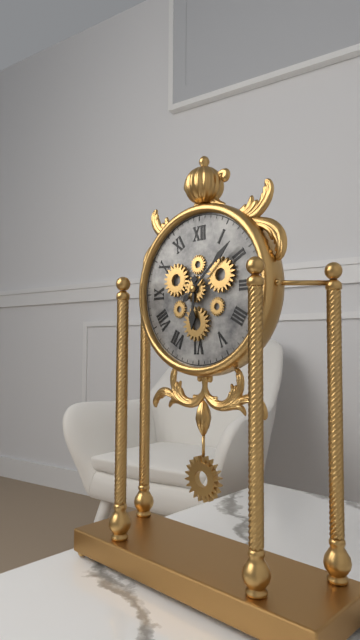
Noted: **6:08**
